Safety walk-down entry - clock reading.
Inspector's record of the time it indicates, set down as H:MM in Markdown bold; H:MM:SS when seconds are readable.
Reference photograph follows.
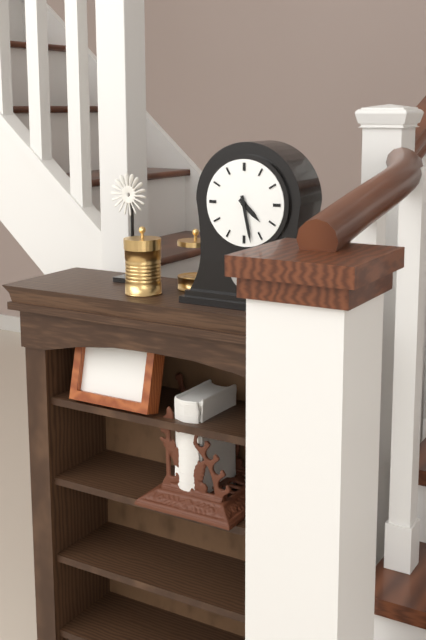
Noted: **4:28**
